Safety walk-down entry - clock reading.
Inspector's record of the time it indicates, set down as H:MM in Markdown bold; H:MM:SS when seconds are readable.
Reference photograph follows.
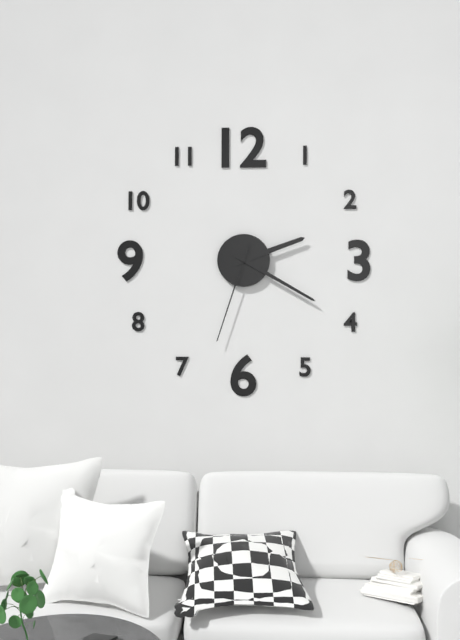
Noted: **2:20:33**
